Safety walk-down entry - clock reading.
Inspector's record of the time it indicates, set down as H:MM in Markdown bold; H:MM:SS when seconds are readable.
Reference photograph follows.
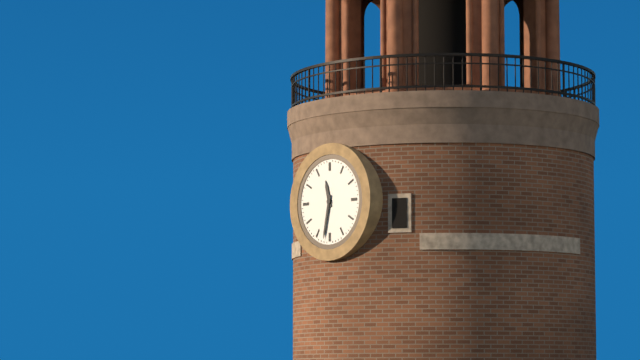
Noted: **11:32**
